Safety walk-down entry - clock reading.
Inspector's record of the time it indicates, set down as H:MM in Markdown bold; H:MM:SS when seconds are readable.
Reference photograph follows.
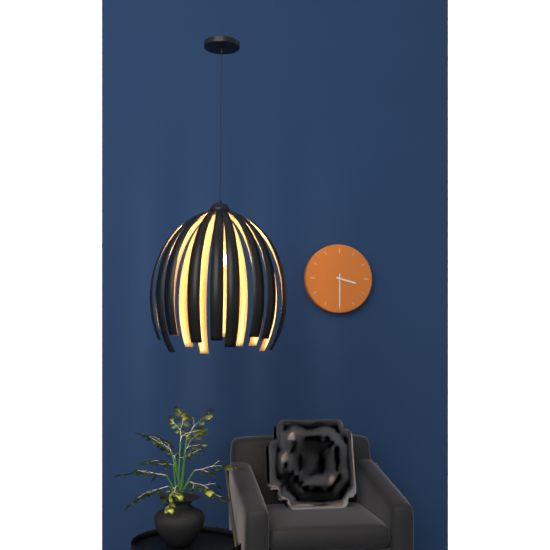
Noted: **3:30**
